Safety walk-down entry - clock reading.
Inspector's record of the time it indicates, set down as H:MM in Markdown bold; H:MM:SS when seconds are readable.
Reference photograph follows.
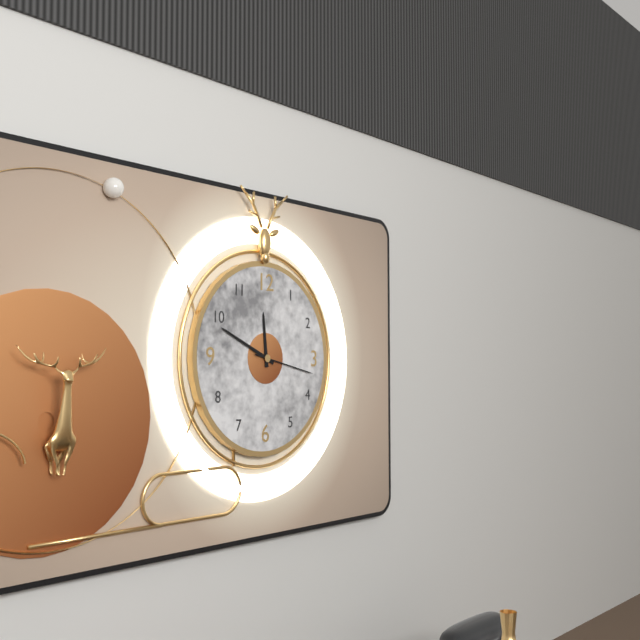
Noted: **11:49:17**
